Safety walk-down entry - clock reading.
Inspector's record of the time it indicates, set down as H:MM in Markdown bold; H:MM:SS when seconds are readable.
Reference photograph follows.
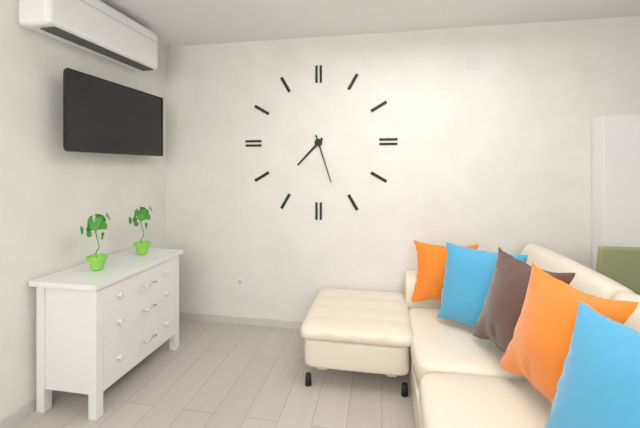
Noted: **7:27**
